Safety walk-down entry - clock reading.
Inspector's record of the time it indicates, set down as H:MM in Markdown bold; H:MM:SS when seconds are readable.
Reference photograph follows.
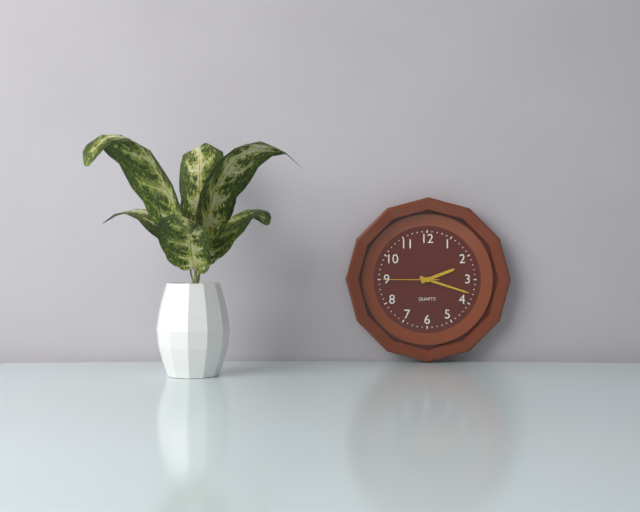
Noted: **2:18:45**
